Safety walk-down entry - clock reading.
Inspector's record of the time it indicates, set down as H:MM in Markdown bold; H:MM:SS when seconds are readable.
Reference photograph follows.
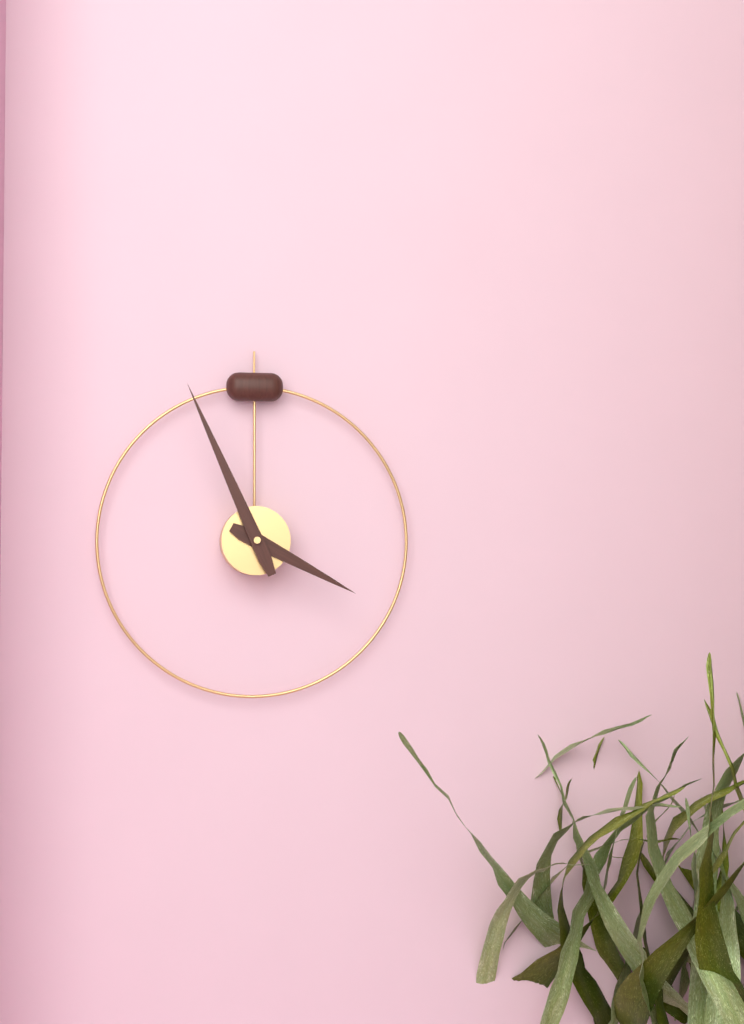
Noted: **3:56**
